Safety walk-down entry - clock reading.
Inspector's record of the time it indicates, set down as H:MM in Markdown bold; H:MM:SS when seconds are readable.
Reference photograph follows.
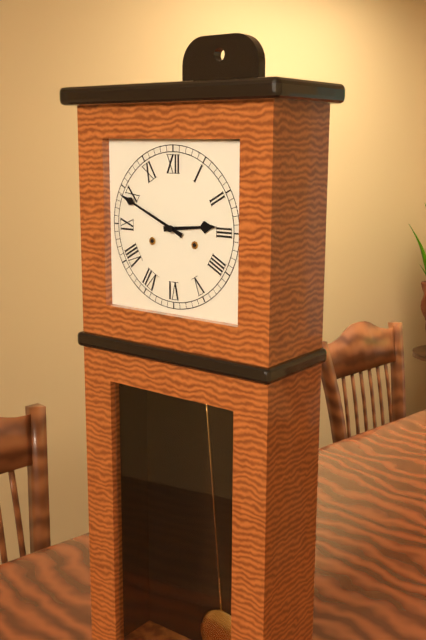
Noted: **2:49**
